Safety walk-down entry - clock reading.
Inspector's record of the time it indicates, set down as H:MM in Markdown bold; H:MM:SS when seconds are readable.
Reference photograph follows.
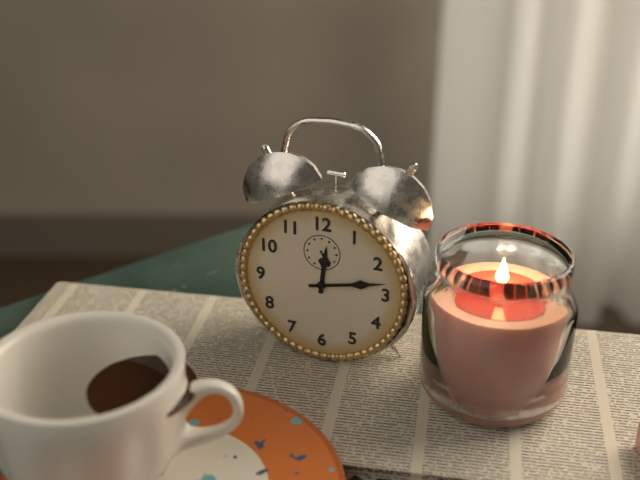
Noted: **12:13**
